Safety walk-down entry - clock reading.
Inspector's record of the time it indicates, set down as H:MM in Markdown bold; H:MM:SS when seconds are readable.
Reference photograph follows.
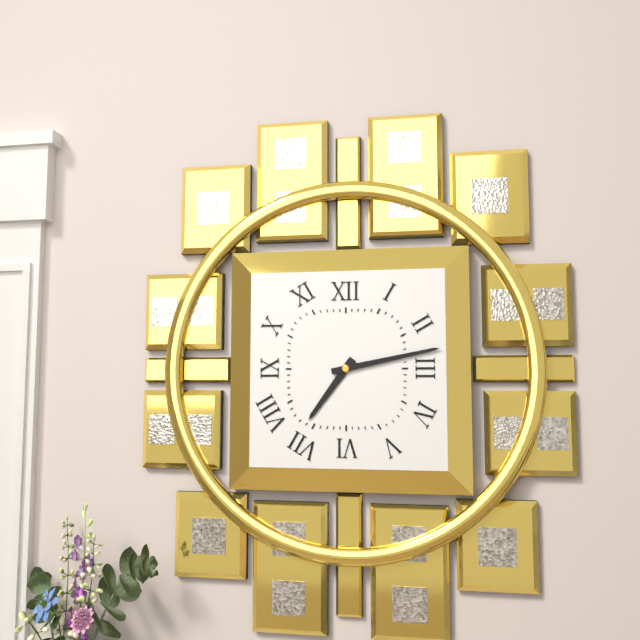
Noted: **7:13**
